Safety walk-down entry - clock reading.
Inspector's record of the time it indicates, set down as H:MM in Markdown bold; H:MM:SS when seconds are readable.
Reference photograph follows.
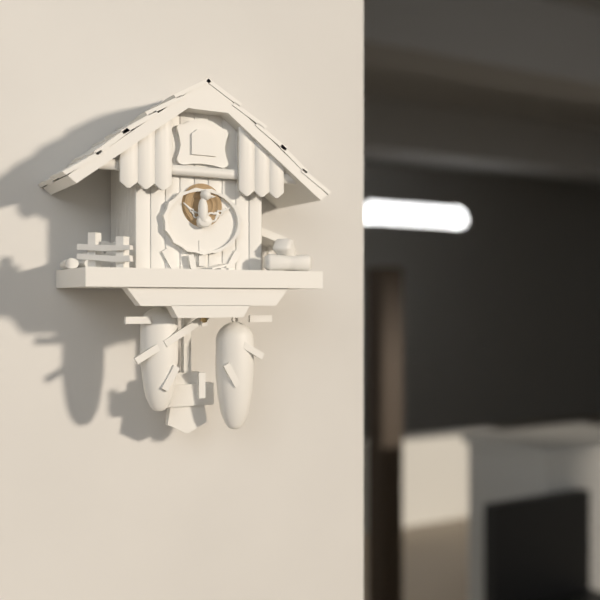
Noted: **7:58**
